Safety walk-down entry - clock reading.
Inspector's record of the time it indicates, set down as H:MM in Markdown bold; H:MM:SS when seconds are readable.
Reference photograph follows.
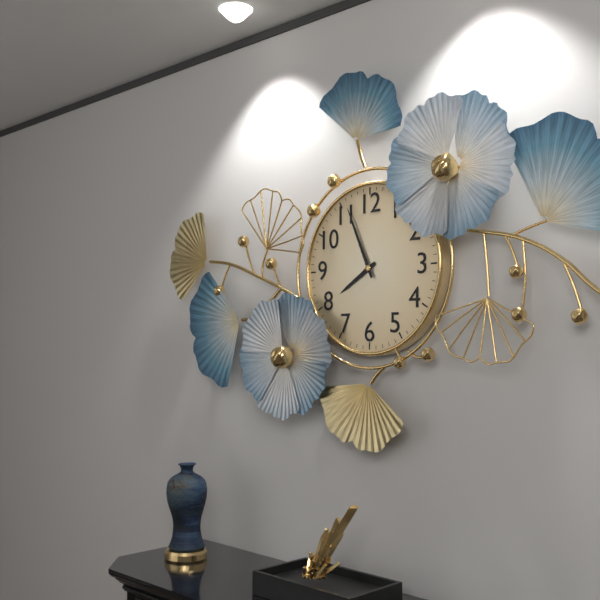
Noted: **7:56**
